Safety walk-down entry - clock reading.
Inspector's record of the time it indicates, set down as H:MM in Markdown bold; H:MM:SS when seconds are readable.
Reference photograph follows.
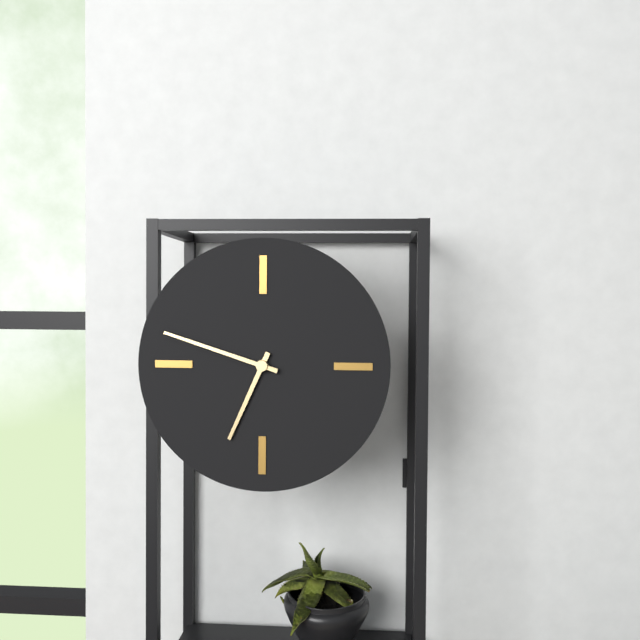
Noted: **6:48**
